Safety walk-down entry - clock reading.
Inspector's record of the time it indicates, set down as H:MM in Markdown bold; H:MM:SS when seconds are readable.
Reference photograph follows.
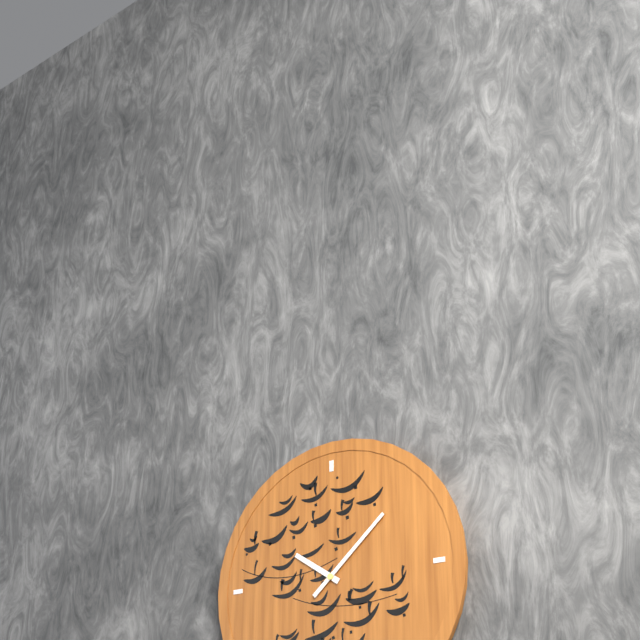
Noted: **10:08**
